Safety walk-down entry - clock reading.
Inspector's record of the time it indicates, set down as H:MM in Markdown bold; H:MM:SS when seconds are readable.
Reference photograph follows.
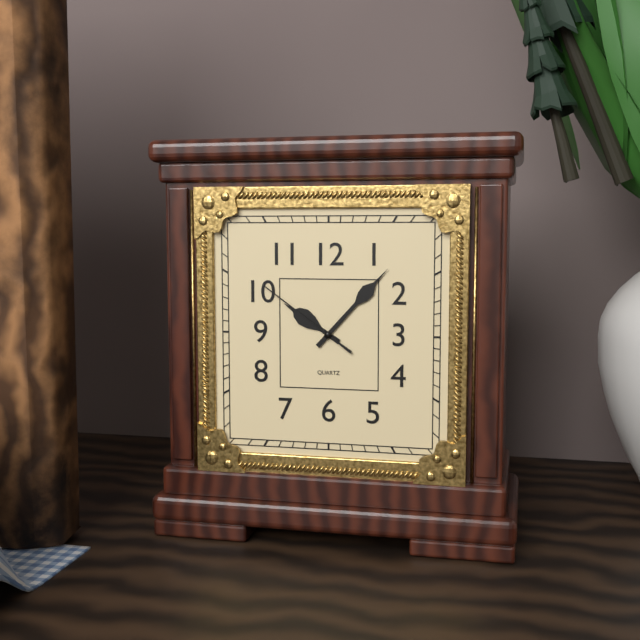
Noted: **10:07:51**
